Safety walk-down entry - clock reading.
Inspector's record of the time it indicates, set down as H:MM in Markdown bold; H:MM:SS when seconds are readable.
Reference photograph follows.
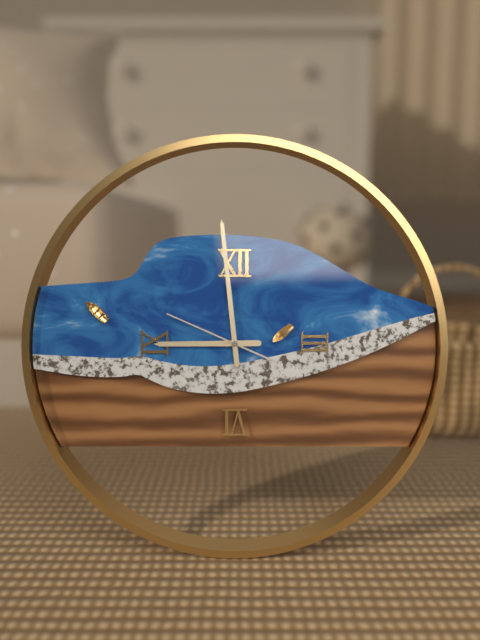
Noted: **8:59:49**
